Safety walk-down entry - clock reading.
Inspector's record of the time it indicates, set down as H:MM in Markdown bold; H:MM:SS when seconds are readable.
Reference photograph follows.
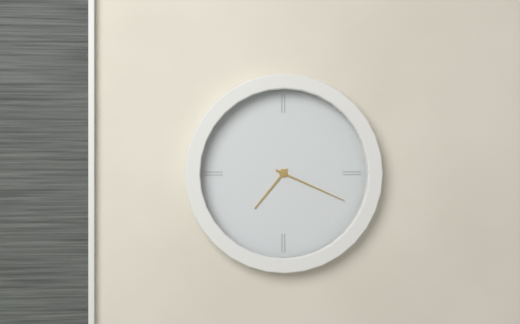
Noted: **7:19**
